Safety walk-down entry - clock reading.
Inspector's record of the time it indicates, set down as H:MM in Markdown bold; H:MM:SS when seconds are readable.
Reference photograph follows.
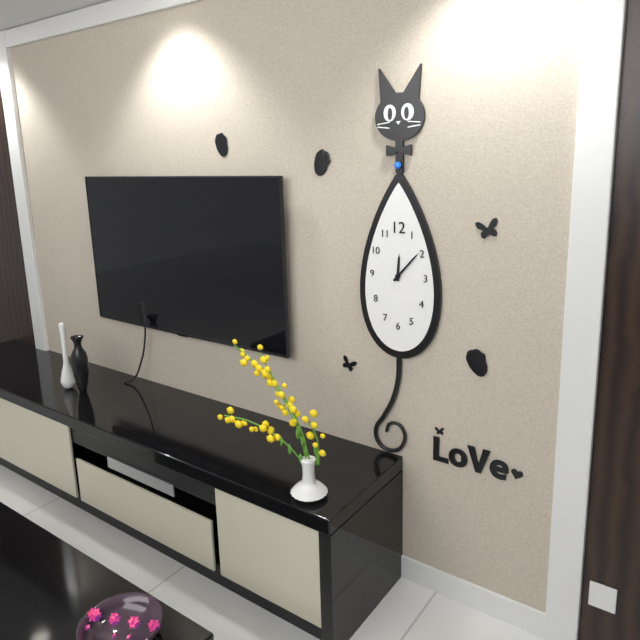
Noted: **12:07**
